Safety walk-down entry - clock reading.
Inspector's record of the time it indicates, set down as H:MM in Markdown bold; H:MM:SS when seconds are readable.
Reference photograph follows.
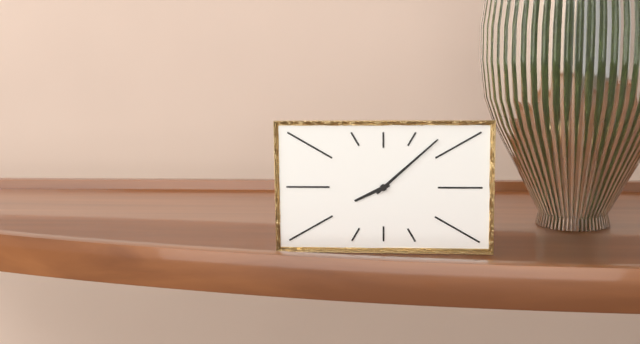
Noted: **8:08**
